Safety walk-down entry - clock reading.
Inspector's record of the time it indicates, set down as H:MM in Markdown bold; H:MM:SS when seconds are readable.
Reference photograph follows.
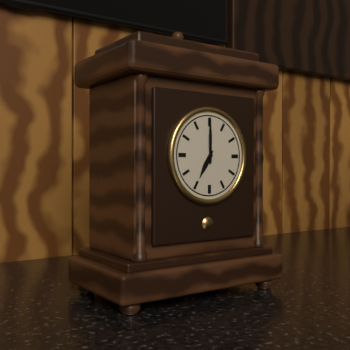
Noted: **7:00**
